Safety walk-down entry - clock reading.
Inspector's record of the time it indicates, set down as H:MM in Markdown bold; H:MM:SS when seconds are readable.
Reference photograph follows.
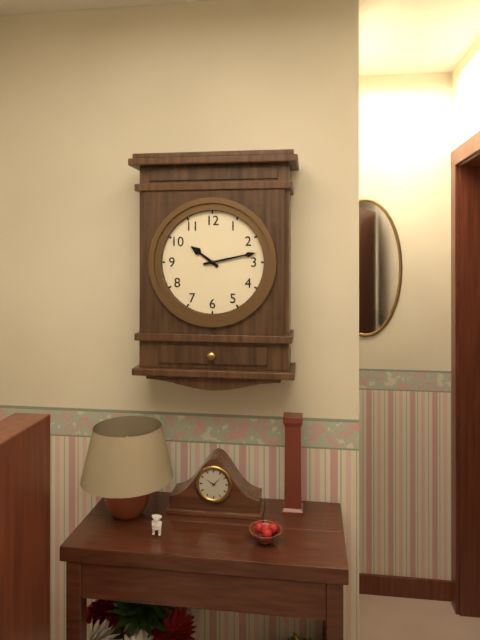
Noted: **10:13**
